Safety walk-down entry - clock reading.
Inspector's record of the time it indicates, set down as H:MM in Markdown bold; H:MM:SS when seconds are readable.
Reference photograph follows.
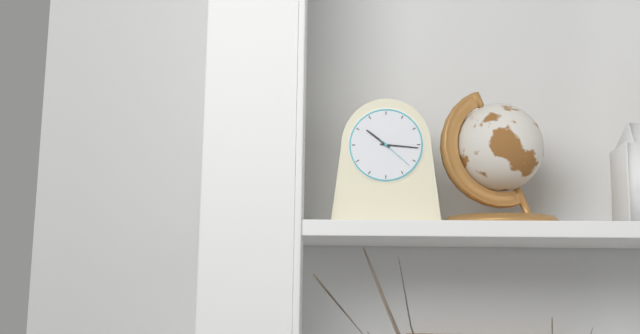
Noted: **10:16**
